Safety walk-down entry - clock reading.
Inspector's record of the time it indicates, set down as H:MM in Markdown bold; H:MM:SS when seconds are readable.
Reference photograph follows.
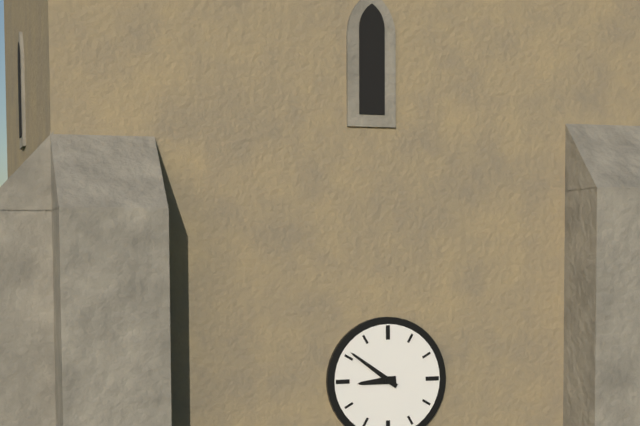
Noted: **8:51**
